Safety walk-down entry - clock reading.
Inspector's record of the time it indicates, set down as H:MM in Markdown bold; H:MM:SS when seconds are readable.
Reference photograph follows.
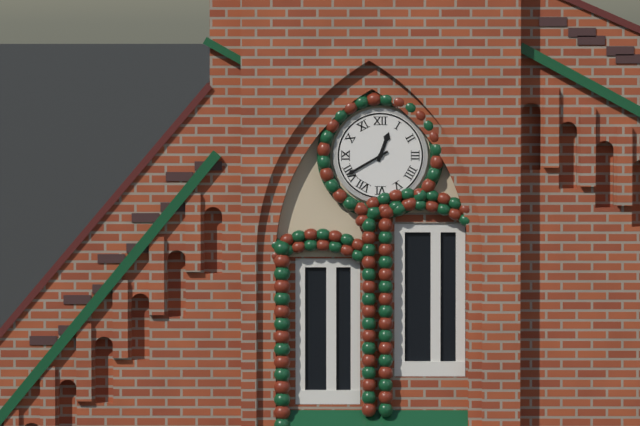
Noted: **12:40**
